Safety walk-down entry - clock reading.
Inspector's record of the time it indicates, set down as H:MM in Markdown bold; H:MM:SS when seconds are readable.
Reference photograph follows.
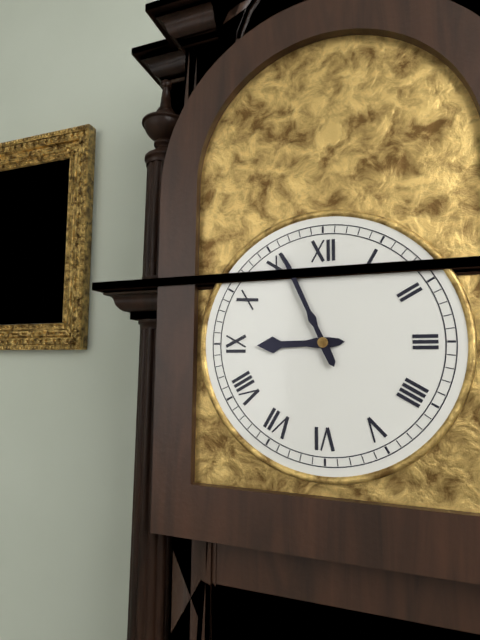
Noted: **8:56**
